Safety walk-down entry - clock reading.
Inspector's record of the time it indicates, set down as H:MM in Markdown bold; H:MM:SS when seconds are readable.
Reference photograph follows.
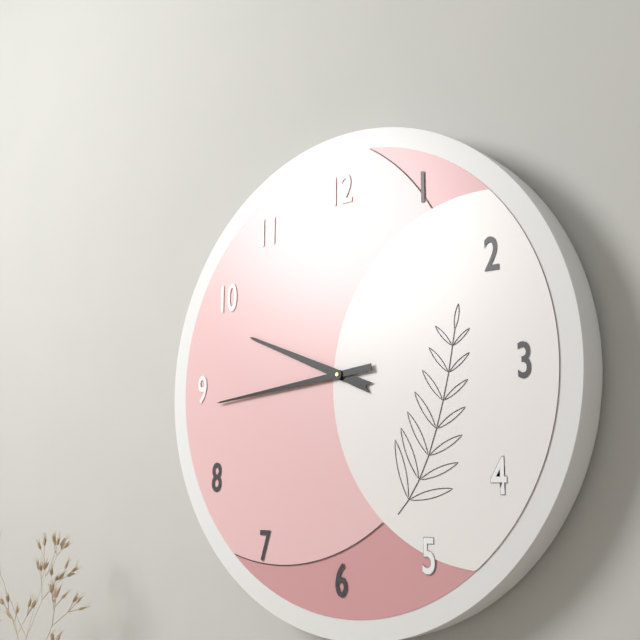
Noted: **9:44**
